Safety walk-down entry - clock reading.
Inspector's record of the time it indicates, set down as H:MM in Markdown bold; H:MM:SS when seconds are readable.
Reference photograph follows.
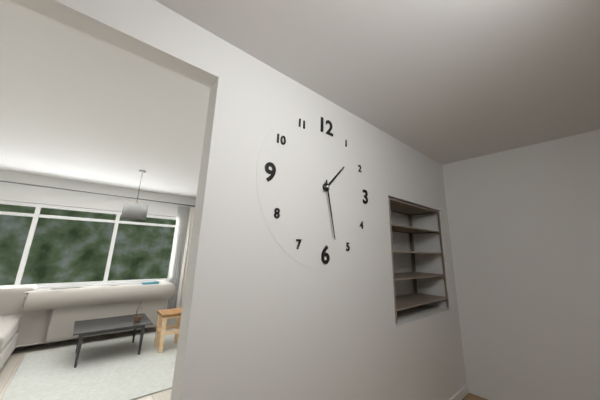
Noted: **1:28**
